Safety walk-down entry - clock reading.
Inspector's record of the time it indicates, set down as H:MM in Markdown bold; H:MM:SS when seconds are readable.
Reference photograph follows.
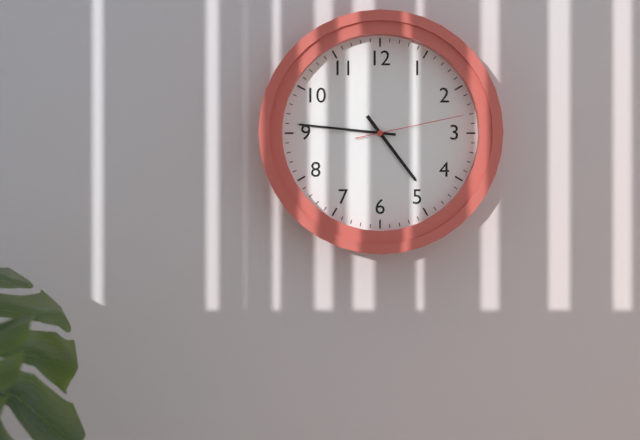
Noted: **4:46:13**
